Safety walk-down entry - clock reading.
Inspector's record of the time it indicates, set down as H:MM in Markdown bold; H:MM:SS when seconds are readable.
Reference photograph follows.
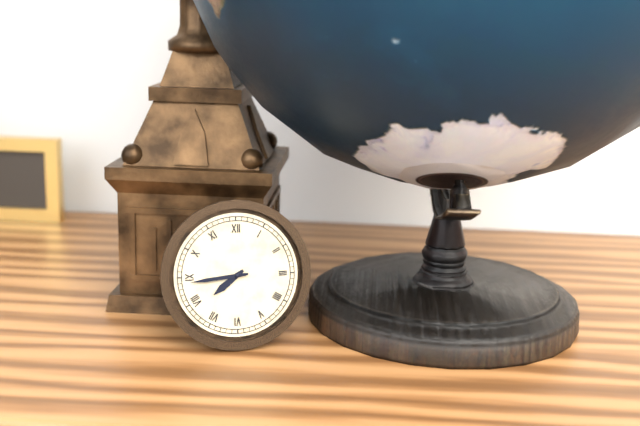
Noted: **7:44**
